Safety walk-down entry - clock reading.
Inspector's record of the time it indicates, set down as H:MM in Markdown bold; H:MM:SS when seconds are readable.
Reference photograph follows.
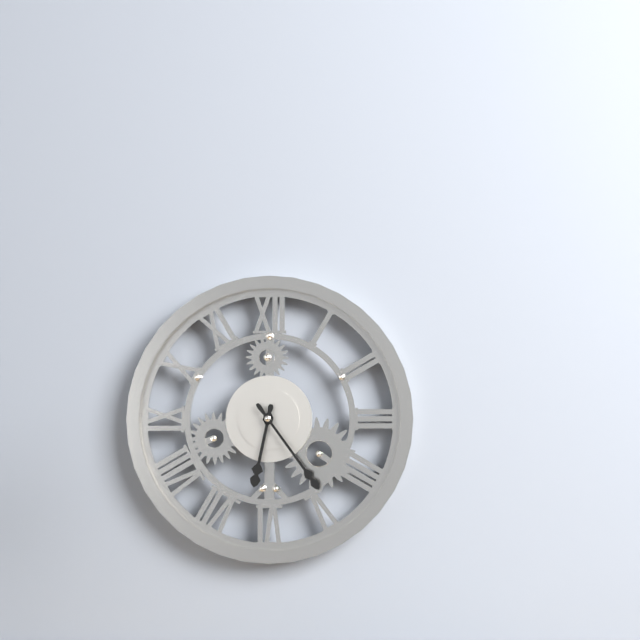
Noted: **6:24**
